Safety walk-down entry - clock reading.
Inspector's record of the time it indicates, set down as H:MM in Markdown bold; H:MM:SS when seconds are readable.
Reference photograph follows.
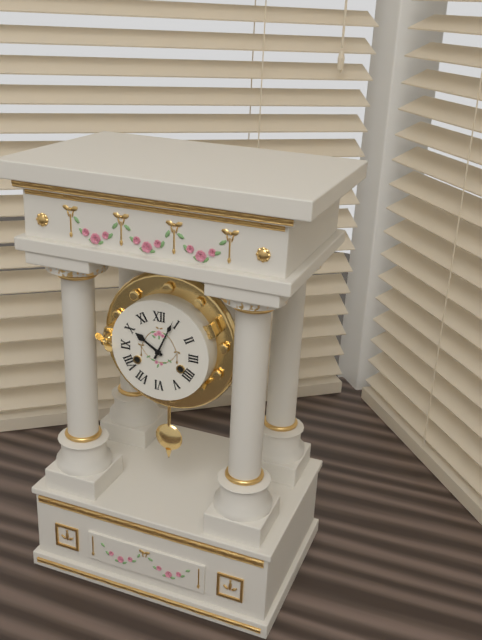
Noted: **10:04**
